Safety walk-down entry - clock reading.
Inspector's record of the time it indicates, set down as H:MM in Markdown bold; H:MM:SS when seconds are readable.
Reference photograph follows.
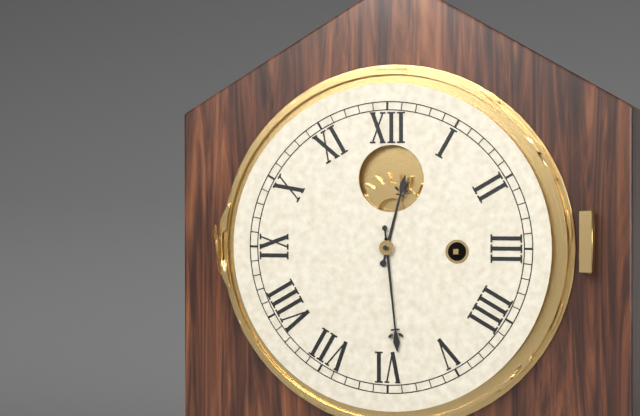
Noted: **12:29**
